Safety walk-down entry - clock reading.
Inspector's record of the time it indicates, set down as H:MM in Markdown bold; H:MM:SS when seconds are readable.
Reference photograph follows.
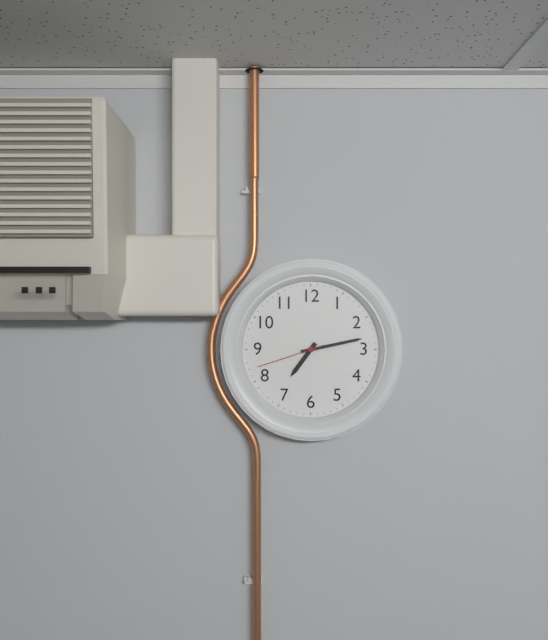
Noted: **7:13:42**
